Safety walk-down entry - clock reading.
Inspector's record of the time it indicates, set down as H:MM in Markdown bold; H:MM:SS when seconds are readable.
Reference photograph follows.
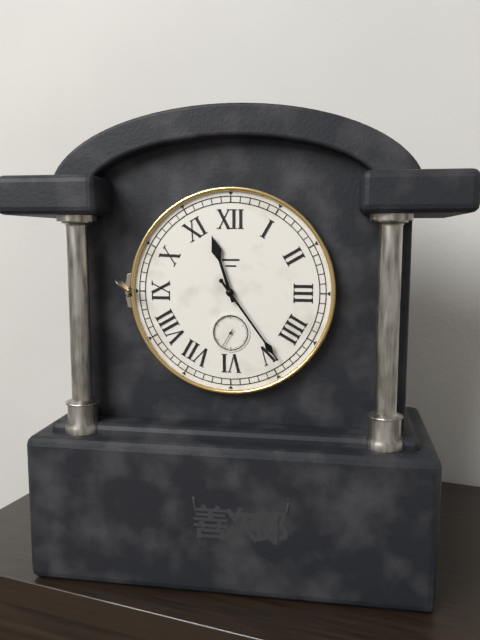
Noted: **11:24**
